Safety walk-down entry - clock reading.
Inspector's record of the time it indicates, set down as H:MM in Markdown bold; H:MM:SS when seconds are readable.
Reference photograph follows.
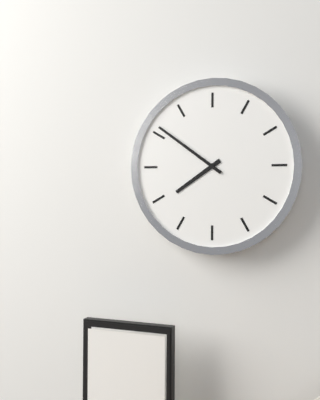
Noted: **7:51**
